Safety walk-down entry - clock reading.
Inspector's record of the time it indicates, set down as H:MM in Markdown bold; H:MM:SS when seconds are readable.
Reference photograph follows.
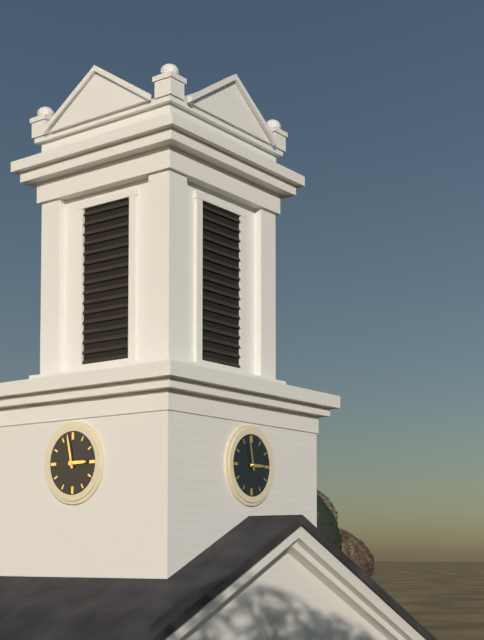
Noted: **2:58**
